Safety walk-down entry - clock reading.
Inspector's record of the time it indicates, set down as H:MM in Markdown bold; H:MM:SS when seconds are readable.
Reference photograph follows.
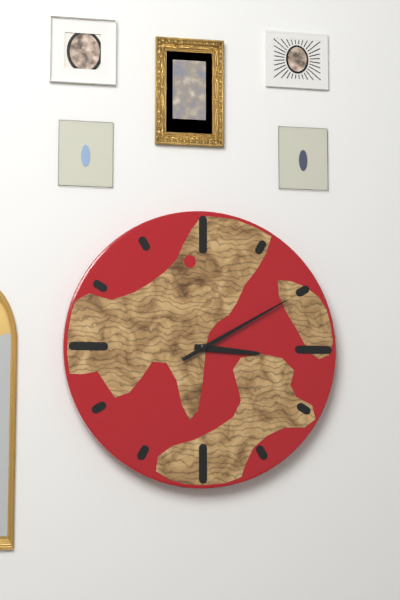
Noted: **3:10**
